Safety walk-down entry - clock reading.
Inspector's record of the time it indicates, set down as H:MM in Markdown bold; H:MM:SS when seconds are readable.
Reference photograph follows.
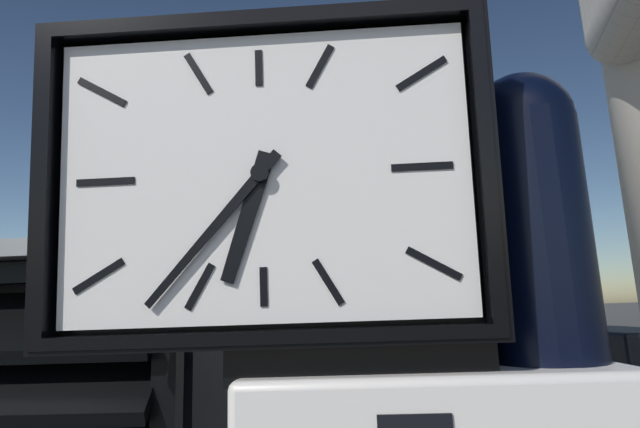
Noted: **6:37**
